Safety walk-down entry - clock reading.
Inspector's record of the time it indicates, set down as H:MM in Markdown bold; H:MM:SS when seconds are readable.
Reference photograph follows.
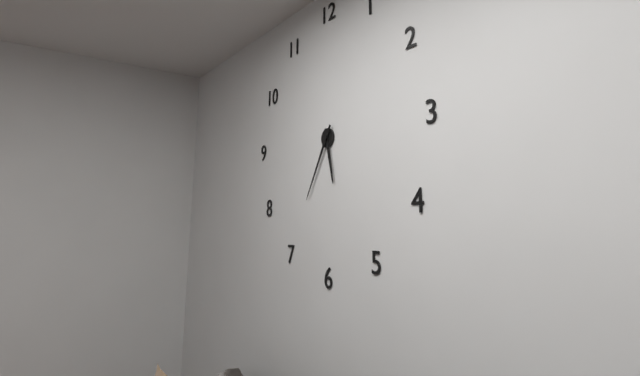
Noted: **5:35**
